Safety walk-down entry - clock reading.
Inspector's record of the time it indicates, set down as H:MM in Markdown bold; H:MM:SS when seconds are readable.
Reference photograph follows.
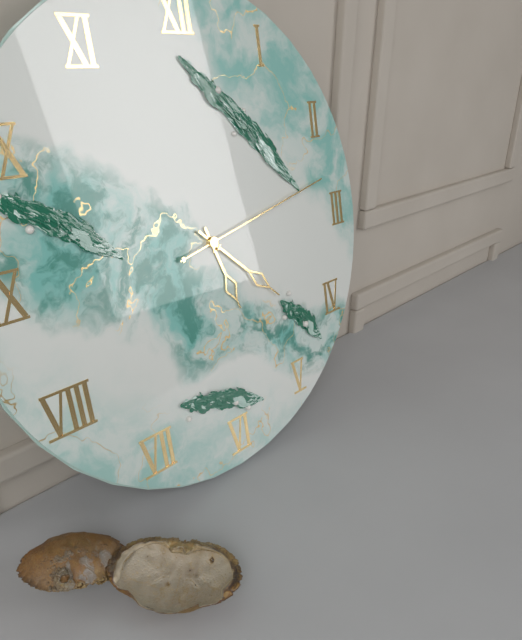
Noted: **5:22:13**
